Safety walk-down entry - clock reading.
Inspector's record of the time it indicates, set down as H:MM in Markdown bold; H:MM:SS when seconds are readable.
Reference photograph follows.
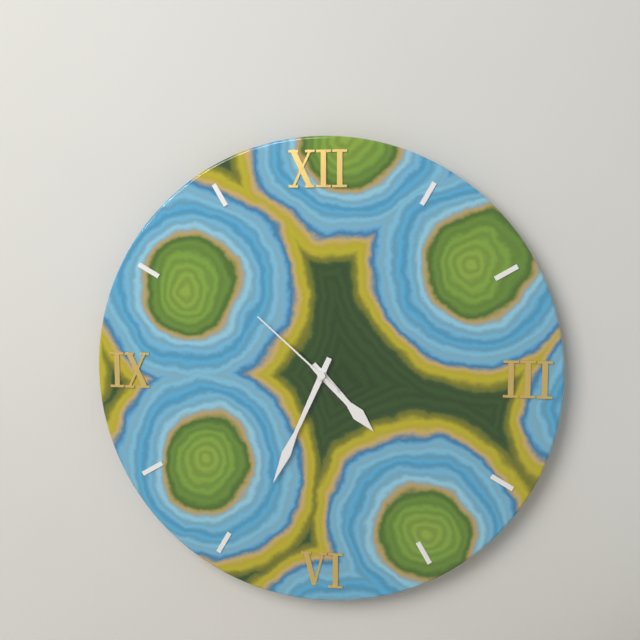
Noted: **4:34:52**
